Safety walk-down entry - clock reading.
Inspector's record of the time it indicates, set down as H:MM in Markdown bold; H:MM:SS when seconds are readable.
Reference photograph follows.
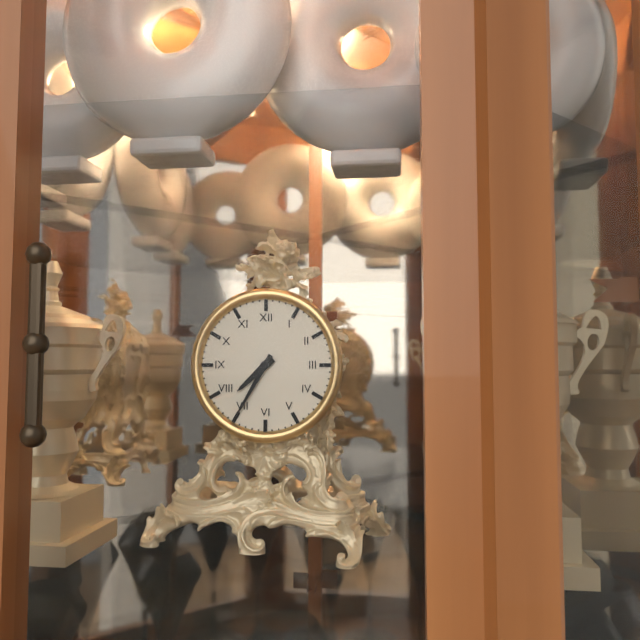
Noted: **7:35**
